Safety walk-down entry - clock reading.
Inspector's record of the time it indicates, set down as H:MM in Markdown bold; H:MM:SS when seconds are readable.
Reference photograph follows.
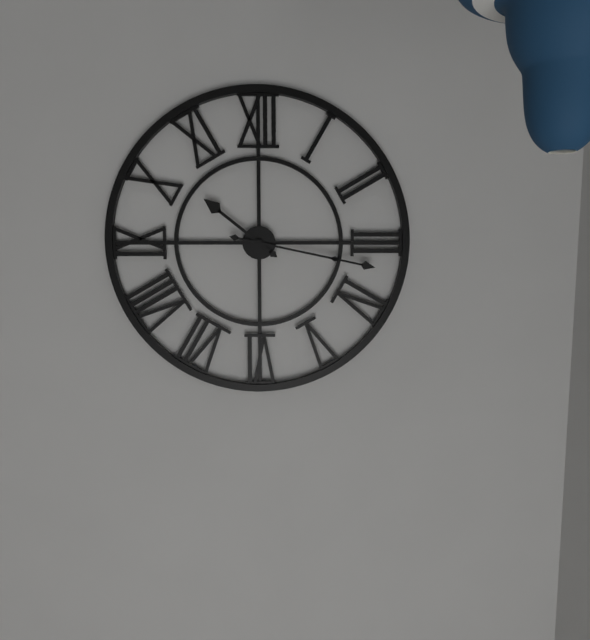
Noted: **10:17**
